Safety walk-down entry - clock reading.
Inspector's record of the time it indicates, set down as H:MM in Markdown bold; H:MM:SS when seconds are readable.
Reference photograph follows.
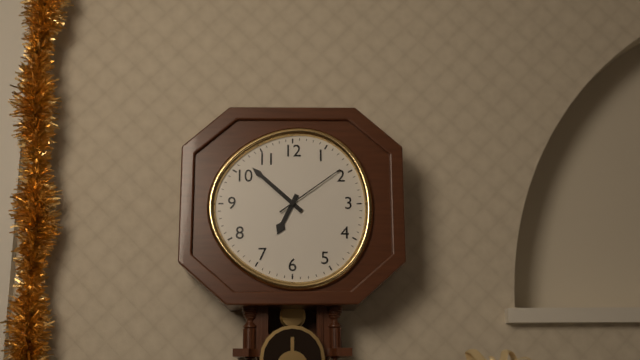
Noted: **6:52:09**
